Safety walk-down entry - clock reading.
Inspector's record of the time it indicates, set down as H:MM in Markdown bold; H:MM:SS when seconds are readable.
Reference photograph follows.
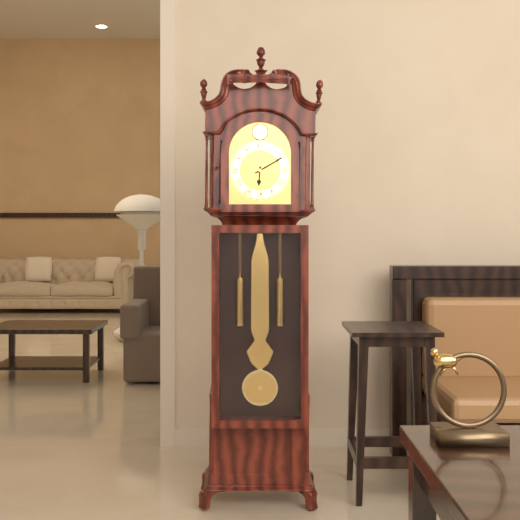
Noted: **6:10**
